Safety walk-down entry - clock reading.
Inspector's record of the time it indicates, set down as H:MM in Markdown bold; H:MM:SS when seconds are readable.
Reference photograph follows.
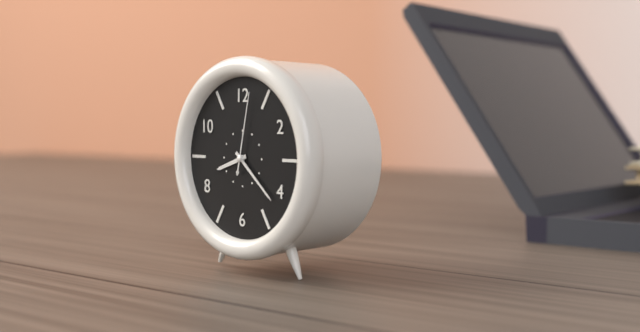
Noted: **8:22:02**
